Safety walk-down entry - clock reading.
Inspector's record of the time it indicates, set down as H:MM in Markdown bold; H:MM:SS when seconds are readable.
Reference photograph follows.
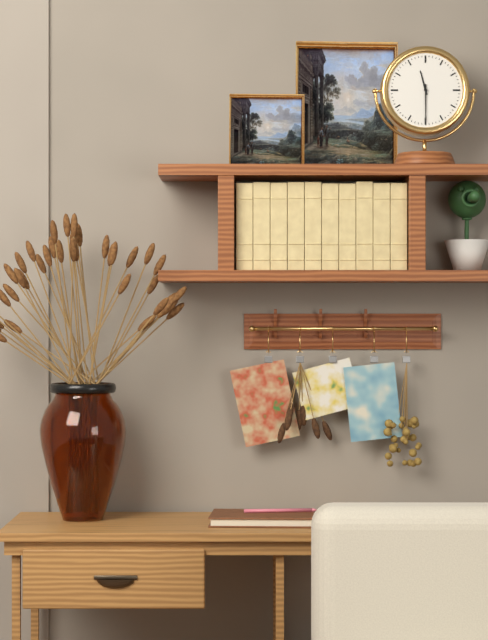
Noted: **11:30**
